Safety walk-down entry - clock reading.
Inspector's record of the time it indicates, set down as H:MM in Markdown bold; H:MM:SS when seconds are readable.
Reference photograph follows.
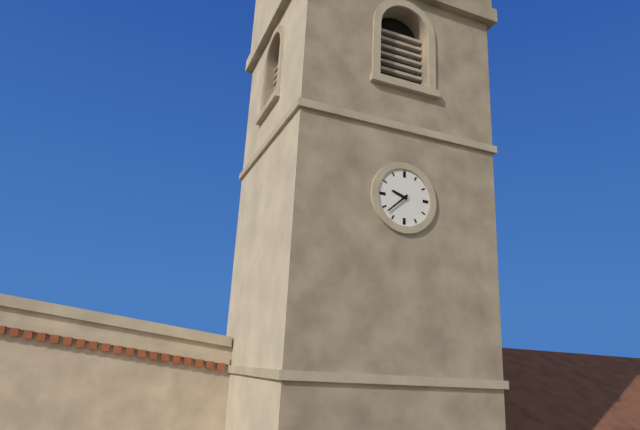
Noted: **9:38**
